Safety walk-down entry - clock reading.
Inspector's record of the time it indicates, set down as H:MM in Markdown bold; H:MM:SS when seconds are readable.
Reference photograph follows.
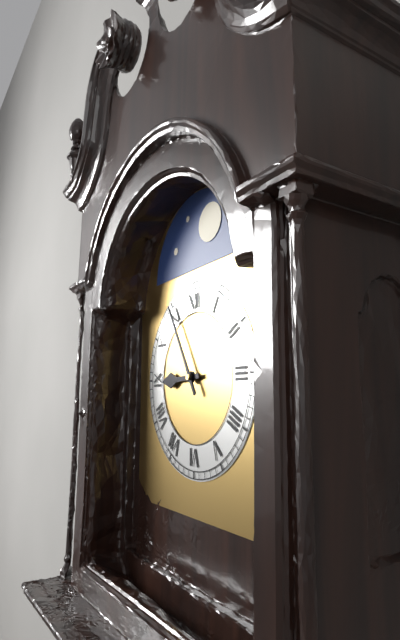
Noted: **8:55**
